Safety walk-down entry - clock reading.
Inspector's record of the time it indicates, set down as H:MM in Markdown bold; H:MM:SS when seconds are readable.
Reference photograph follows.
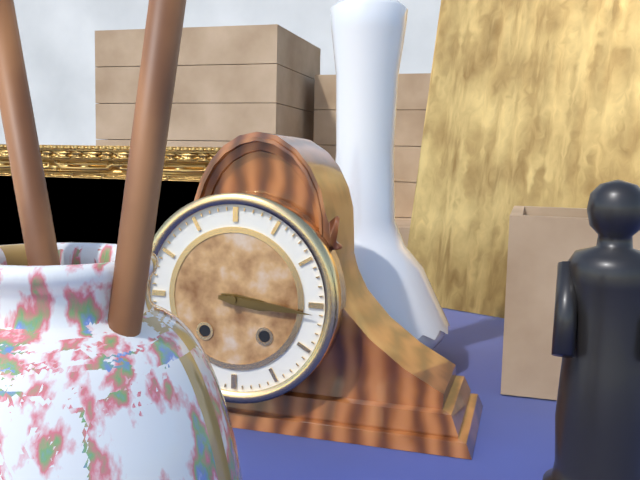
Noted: **3:16**
